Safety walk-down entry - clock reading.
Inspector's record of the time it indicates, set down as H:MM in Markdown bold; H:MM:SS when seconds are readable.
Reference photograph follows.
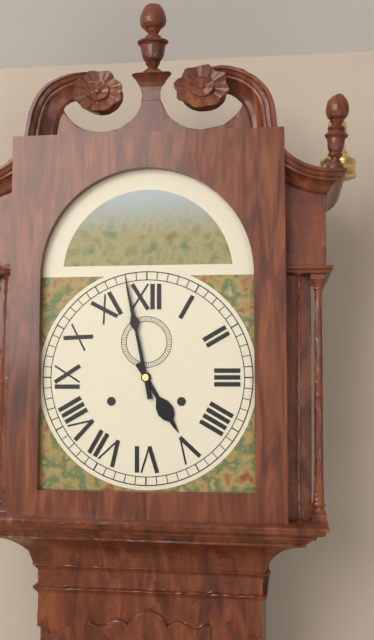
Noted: **4:58**
